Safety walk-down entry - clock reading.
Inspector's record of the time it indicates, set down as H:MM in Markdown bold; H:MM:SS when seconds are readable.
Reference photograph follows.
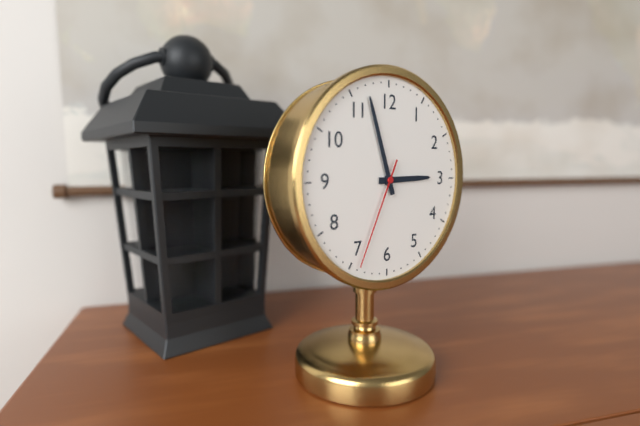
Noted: **2:57:34**
